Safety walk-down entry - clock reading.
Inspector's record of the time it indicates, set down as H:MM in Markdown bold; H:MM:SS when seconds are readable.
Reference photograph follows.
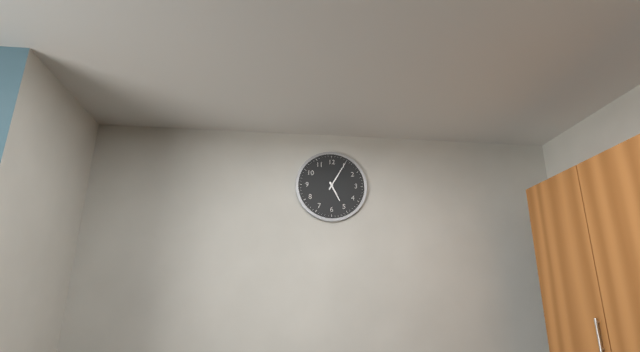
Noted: **5:05**
